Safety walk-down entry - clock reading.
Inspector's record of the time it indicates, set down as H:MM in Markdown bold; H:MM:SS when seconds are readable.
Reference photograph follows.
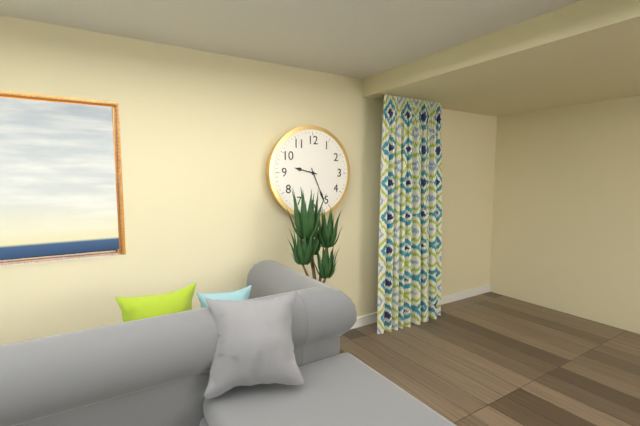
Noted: **9:26**
